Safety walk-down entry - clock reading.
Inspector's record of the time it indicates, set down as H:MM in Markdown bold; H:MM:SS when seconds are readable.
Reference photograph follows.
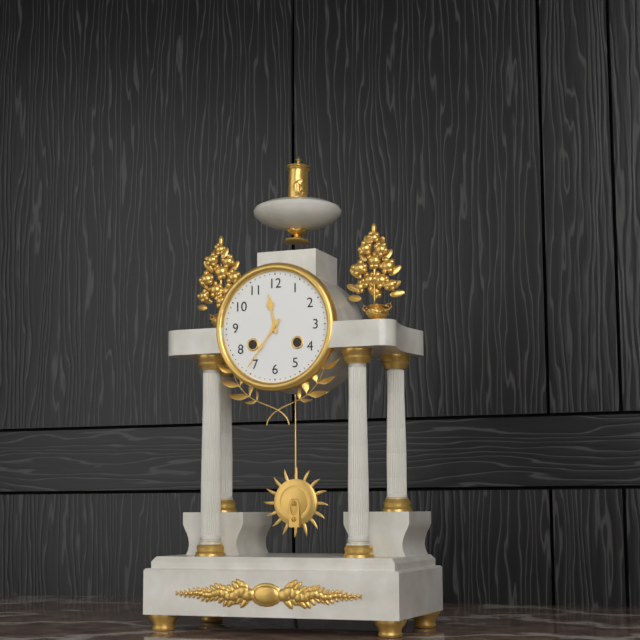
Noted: **11:36**
